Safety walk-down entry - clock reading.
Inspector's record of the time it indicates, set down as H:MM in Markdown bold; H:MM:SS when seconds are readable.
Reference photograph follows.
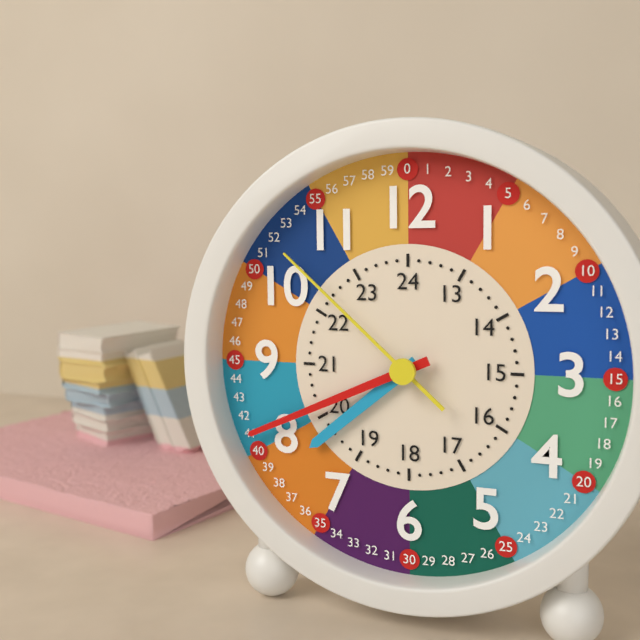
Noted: **7:41:52**
